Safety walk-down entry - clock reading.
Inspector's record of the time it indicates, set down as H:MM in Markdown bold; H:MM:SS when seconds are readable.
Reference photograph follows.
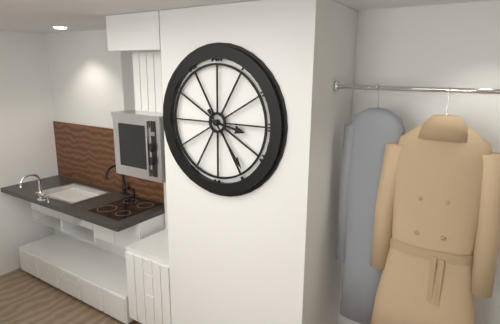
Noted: **3:24**
